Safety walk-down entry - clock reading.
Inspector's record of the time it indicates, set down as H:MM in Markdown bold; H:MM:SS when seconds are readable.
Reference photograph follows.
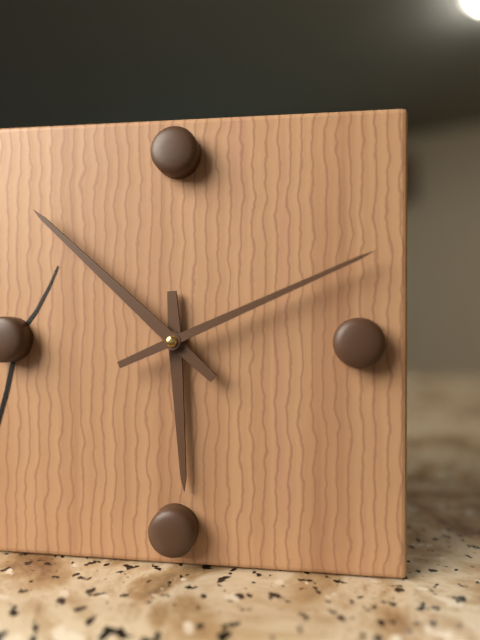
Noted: **5:52:11**
